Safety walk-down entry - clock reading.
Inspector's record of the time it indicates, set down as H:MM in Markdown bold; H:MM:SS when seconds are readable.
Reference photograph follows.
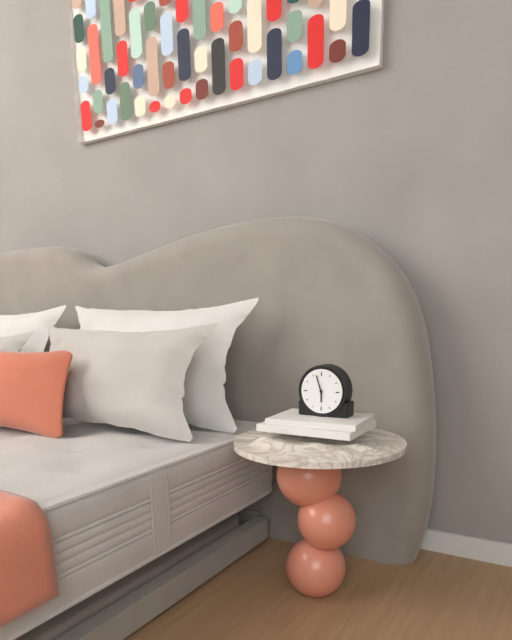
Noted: **5:57**
